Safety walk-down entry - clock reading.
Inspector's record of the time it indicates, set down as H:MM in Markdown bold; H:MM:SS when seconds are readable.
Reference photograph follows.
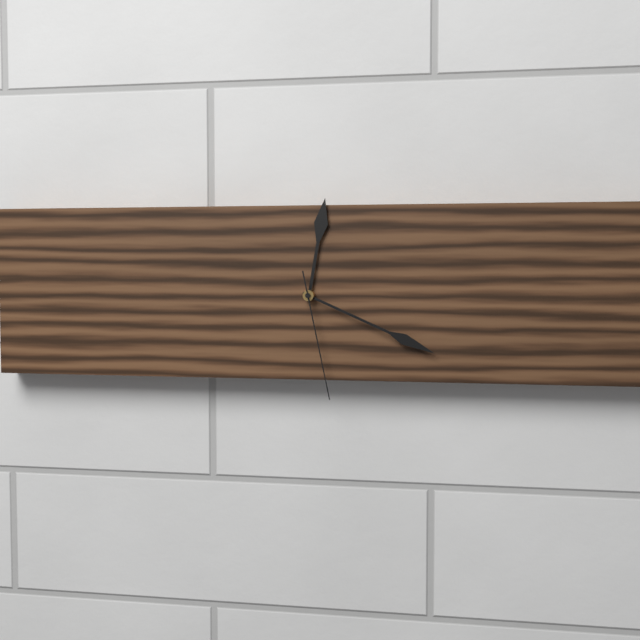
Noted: **12:19:28**
